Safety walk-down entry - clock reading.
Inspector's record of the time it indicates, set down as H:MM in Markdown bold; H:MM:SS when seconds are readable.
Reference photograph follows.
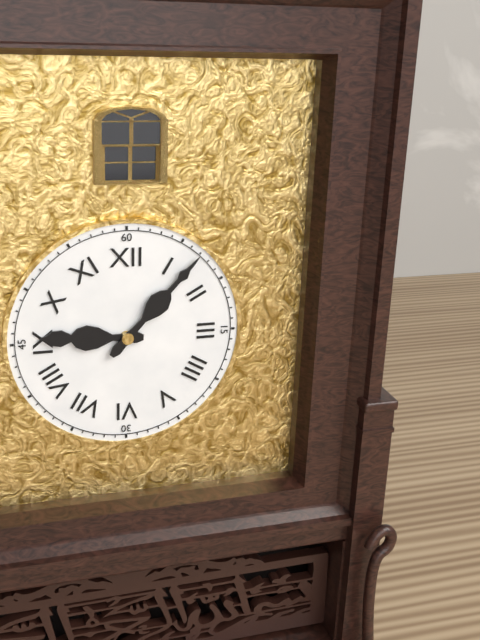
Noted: **9:07**
